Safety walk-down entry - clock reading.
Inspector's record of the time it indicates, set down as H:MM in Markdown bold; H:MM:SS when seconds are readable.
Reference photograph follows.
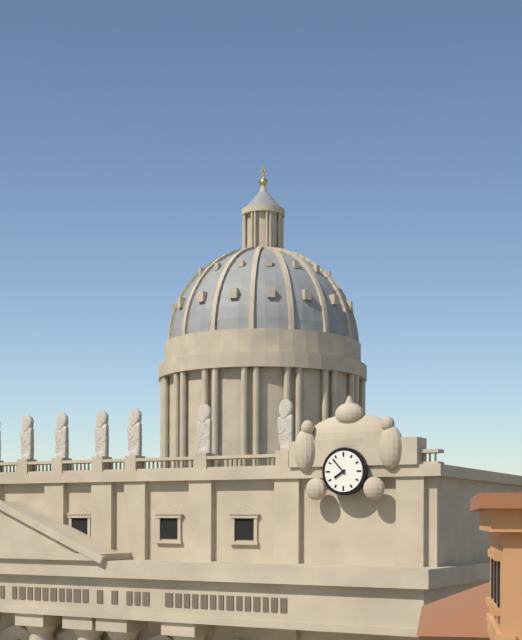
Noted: **7:53**
